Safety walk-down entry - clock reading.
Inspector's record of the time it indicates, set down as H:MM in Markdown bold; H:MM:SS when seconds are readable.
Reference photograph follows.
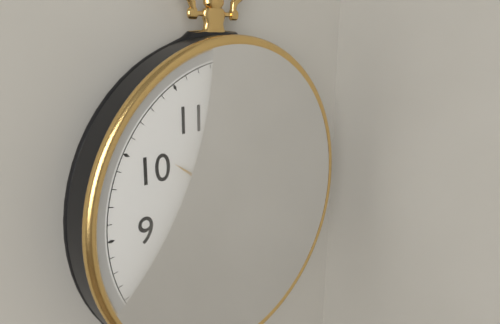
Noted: **1:51**
